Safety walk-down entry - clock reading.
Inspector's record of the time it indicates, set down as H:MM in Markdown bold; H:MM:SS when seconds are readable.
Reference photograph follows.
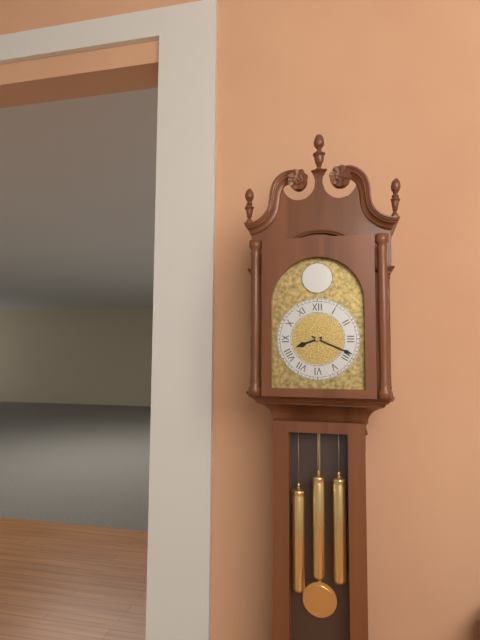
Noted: **8:19**
